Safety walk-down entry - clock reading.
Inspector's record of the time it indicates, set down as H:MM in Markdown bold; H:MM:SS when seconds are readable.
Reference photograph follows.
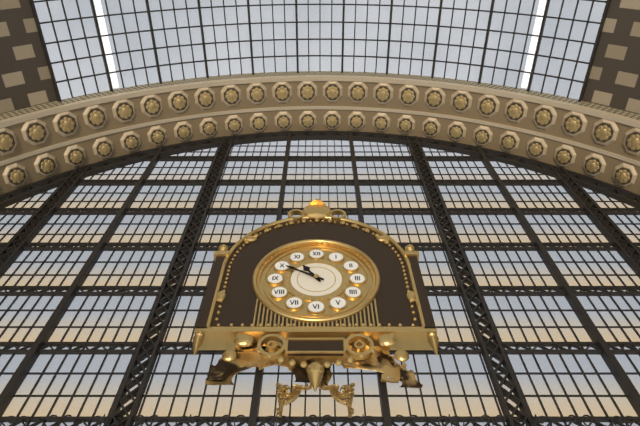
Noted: **10:50**
